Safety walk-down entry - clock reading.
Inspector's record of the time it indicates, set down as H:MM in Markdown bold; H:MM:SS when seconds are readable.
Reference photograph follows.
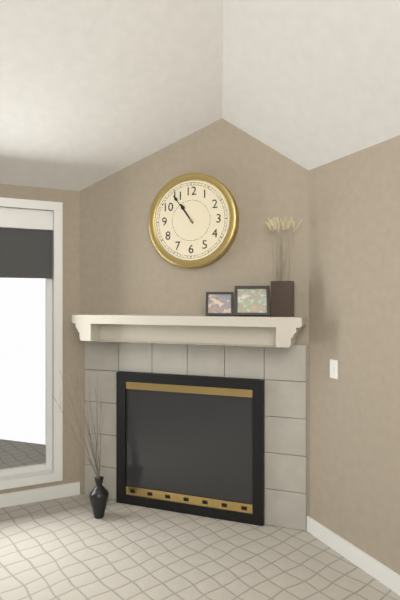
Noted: **10:54**
